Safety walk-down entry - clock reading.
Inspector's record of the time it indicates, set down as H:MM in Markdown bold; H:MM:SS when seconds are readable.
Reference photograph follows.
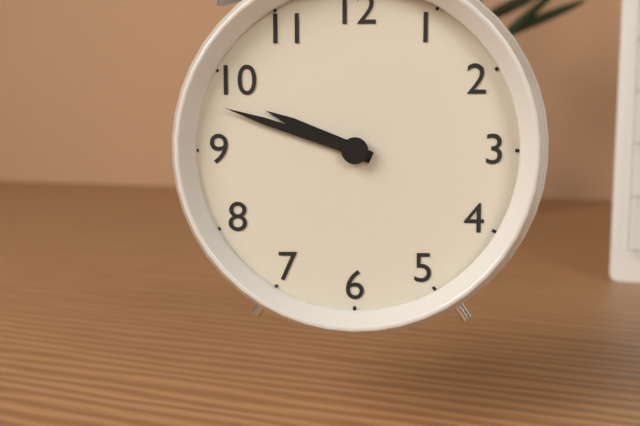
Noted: **9:48**
